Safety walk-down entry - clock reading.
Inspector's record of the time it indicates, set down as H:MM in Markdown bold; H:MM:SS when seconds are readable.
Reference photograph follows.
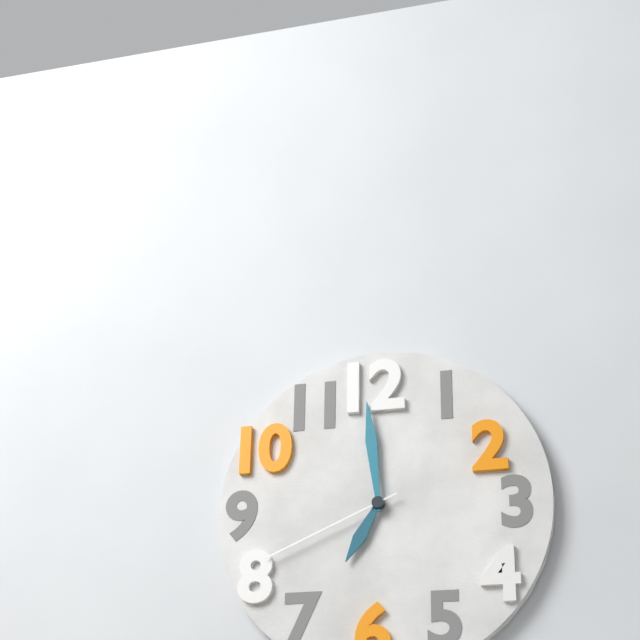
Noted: **6:59:41**
